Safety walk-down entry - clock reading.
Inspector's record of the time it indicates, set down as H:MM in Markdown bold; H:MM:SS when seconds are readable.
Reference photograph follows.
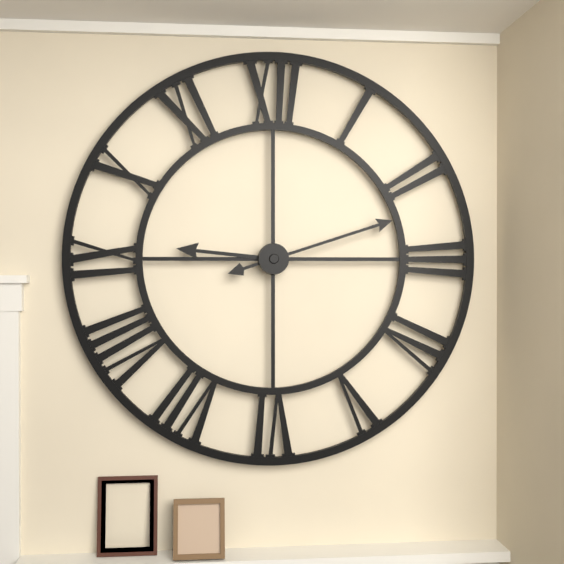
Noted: **9:12**
